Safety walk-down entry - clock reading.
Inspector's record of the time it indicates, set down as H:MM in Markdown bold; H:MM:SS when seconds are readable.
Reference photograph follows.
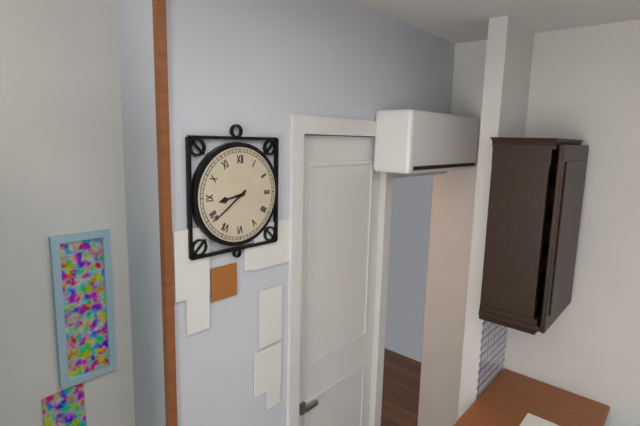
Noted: **8:39**
